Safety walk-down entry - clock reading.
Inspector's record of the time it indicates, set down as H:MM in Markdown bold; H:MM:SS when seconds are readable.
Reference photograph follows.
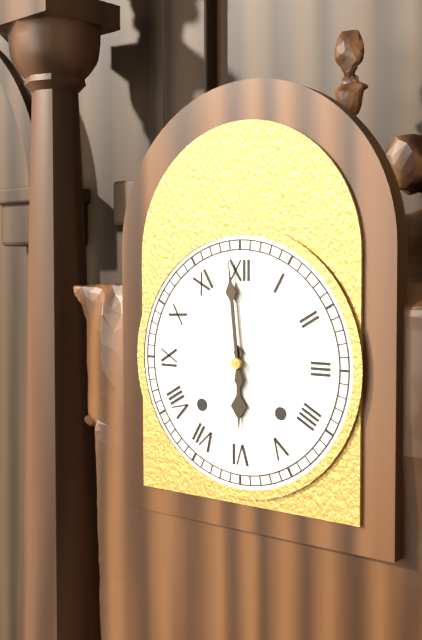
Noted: **5:59**
